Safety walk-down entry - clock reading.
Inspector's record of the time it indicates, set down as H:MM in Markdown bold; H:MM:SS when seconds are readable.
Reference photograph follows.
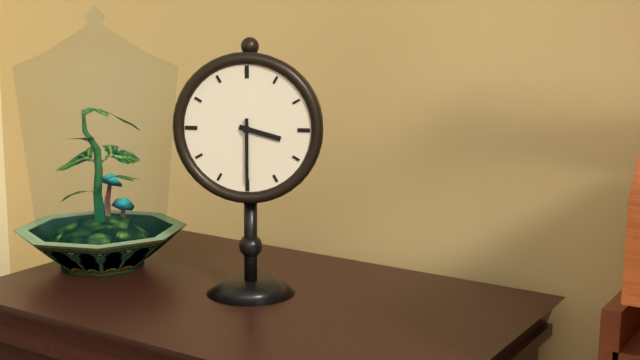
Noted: **3:30**
